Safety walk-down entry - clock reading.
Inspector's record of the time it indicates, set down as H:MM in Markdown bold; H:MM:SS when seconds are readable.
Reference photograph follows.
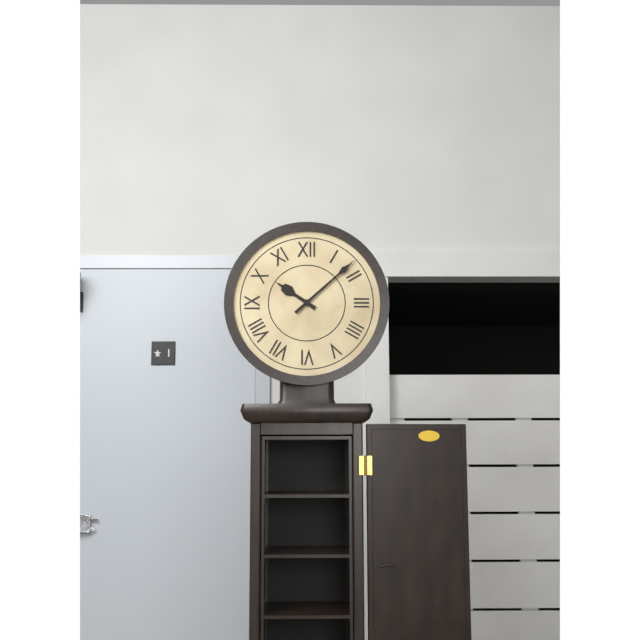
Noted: **10:08**
